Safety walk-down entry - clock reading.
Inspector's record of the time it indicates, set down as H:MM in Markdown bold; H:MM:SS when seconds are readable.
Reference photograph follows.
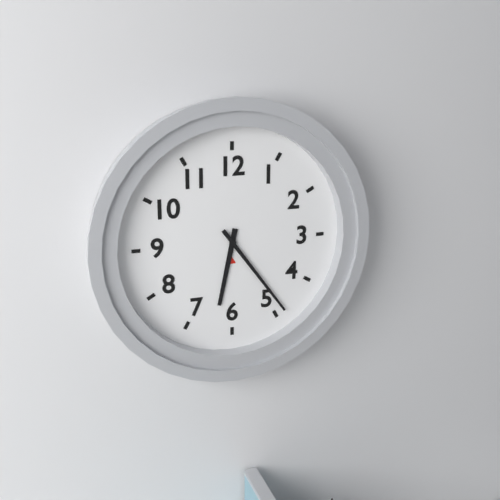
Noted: **6:24**
